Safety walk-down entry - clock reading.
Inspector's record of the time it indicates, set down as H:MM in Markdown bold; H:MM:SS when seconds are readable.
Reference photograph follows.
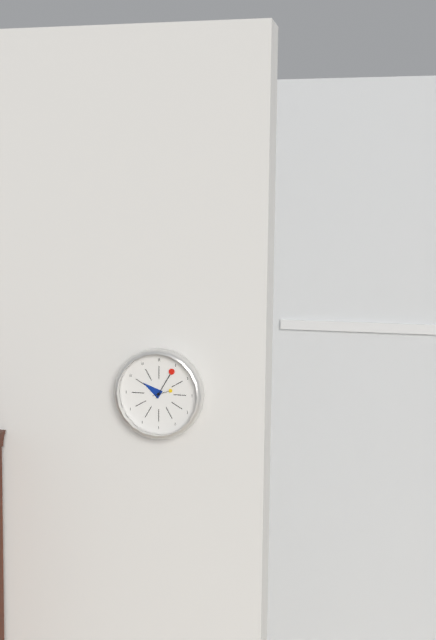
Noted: **10:05**
